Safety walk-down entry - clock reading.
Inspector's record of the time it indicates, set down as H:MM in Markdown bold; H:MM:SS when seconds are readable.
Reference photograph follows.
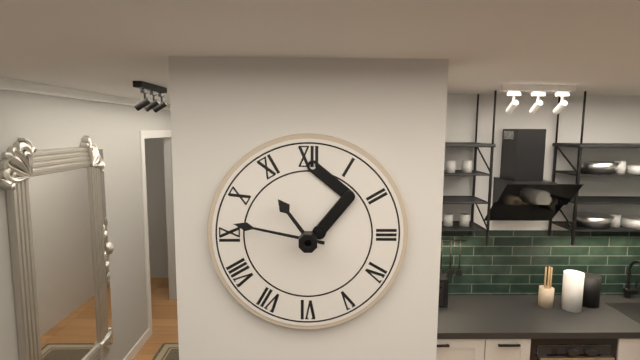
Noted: **10:47**
